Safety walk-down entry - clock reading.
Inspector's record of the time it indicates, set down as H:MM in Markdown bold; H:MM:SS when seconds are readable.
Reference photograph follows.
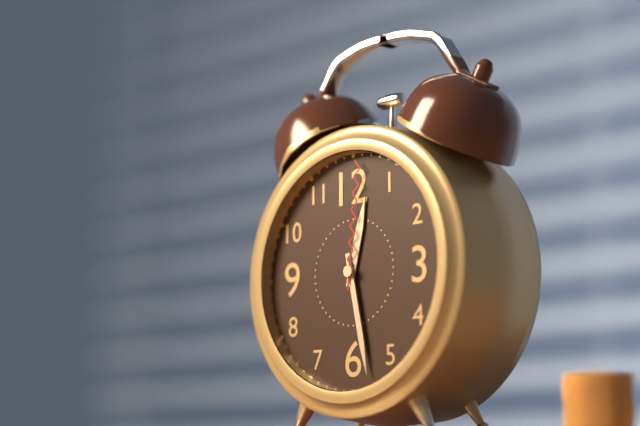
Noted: **12:28:01**
